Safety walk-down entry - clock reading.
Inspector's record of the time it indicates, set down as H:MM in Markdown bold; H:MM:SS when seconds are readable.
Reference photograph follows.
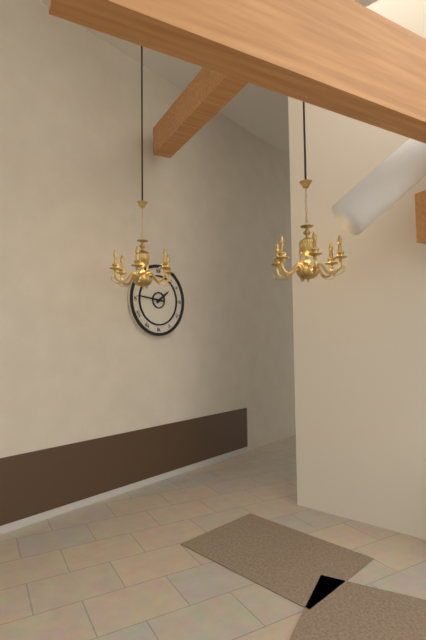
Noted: **1:46**
